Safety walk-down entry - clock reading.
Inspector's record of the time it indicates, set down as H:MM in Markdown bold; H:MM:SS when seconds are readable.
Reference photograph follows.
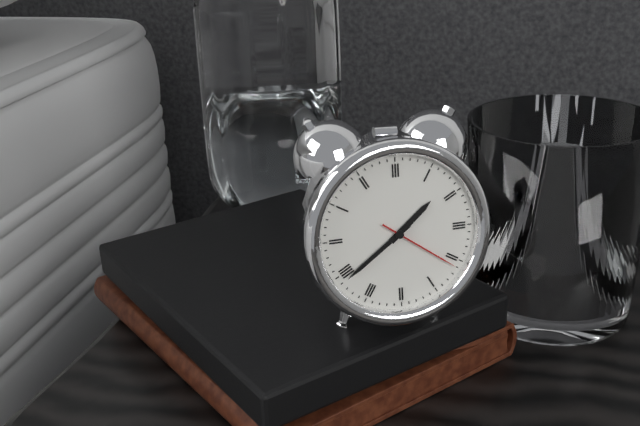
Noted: **1:39:21**
